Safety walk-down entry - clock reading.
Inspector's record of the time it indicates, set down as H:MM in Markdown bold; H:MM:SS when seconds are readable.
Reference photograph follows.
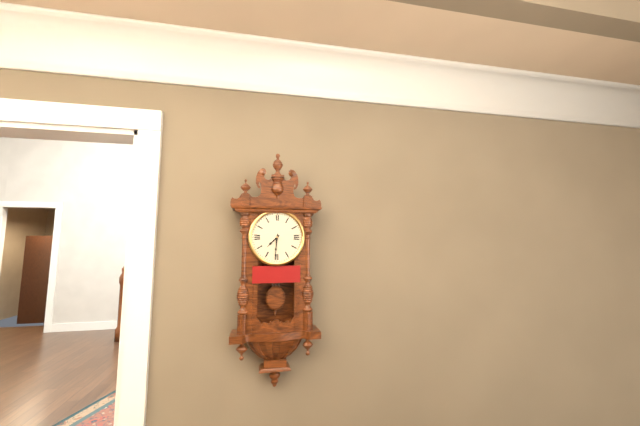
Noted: **7:31**
